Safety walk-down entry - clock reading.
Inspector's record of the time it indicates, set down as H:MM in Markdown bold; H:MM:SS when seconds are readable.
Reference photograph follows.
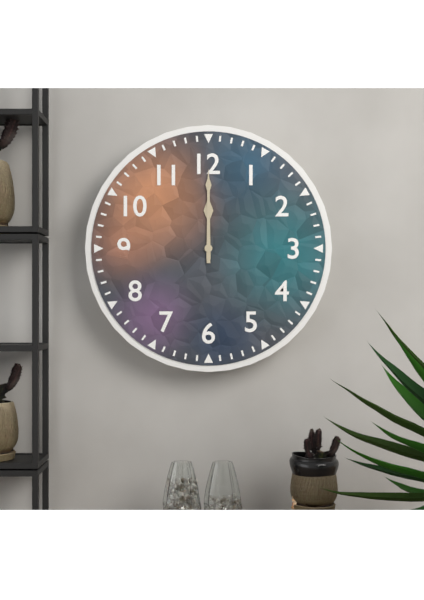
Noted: **12:00**
